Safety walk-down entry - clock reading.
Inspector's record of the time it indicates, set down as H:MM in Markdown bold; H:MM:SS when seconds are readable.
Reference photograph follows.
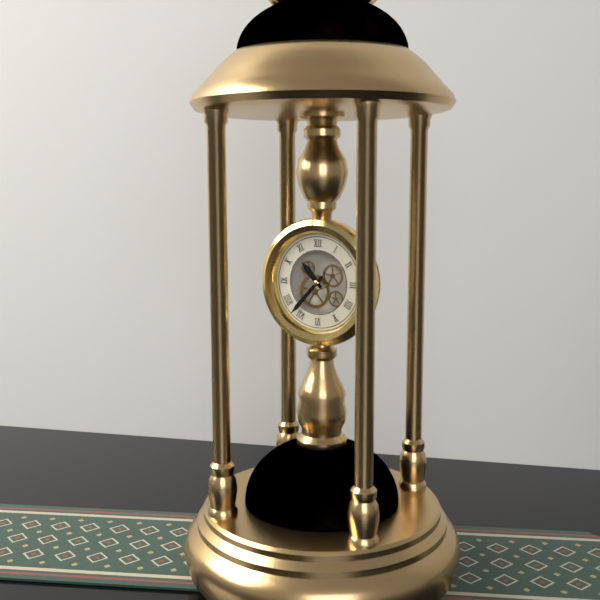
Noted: **10:37**
